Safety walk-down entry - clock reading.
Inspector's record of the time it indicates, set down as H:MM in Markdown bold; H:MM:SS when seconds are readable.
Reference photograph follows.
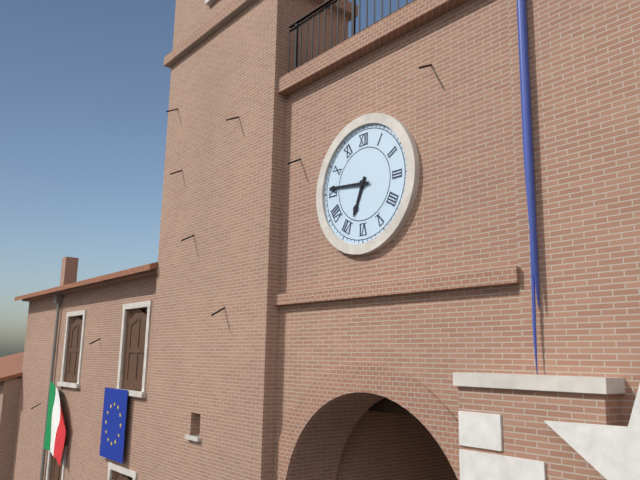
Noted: **6:46**
